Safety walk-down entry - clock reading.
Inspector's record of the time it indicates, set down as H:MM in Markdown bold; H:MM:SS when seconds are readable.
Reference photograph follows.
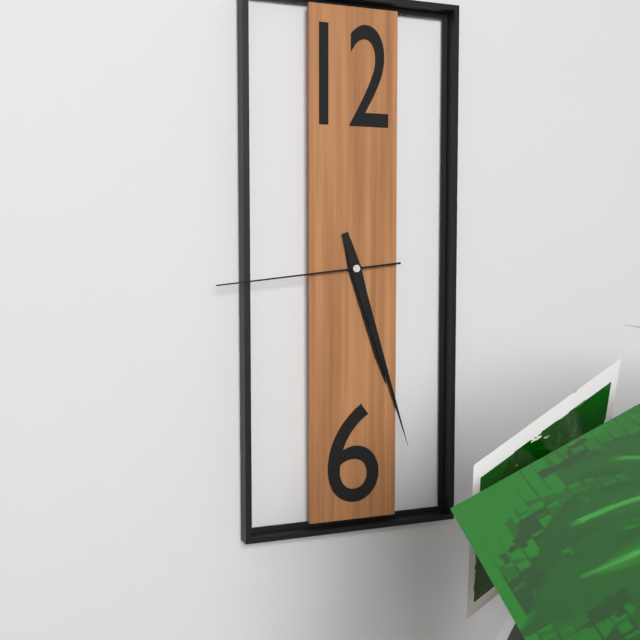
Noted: **5:27:44**
